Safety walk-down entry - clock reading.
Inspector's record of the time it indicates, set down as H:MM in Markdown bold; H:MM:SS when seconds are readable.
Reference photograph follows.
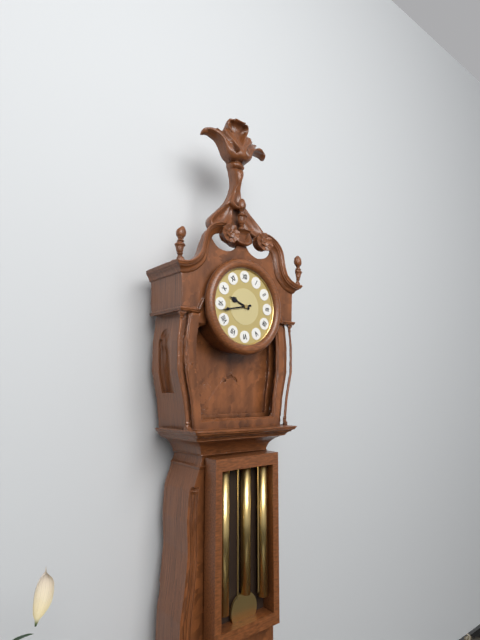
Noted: **9:43**
